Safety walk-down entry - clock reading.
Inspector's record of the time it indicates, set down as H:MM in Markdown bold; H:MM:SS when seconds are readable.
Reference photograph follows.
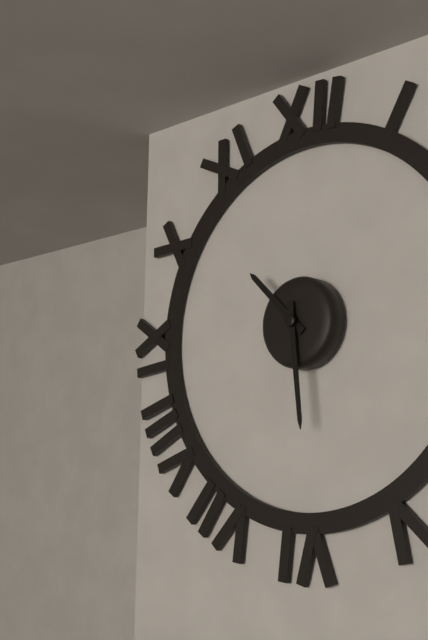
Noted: **10:29**
